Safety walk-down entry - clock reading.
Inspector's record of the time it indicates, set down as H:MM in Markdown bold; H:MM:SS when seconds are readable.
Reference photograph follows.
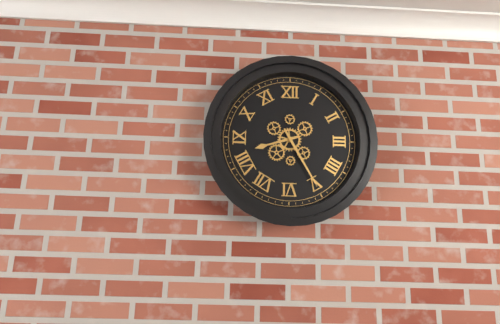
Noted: **8:25**
